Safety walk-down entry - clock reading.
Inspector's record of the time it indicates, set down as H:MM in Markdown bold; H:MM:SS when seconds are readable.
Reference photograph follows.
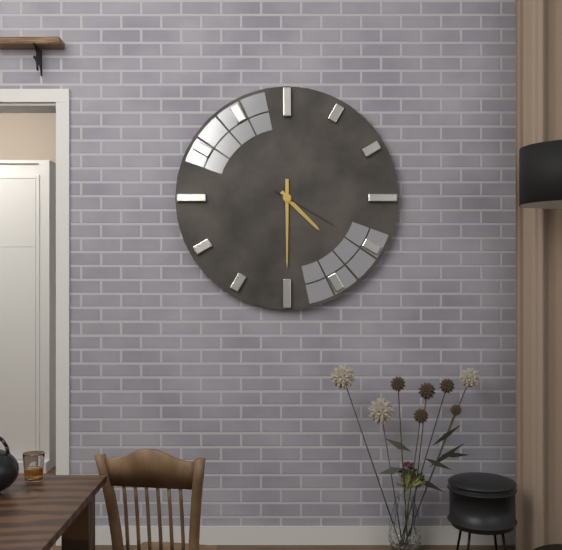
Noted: **4:30:20**
